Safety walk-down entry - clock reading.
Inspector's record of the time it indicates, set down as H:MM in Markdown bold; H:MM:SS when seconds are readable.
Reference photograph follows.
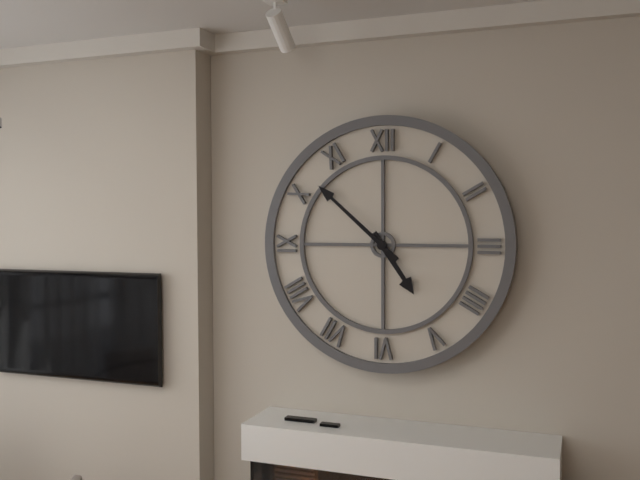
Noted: **4:52**
